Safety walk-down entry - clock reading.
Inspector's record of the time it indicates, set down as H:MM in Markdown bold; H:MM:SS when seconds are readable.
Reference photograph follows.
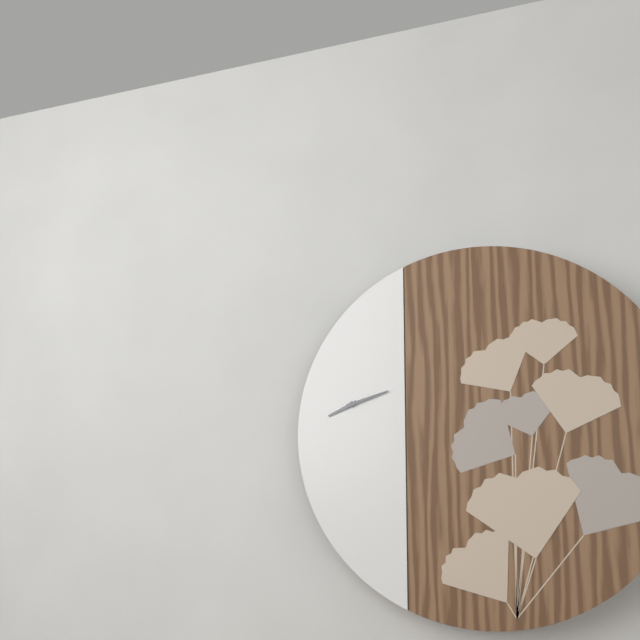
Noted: **8:12**
